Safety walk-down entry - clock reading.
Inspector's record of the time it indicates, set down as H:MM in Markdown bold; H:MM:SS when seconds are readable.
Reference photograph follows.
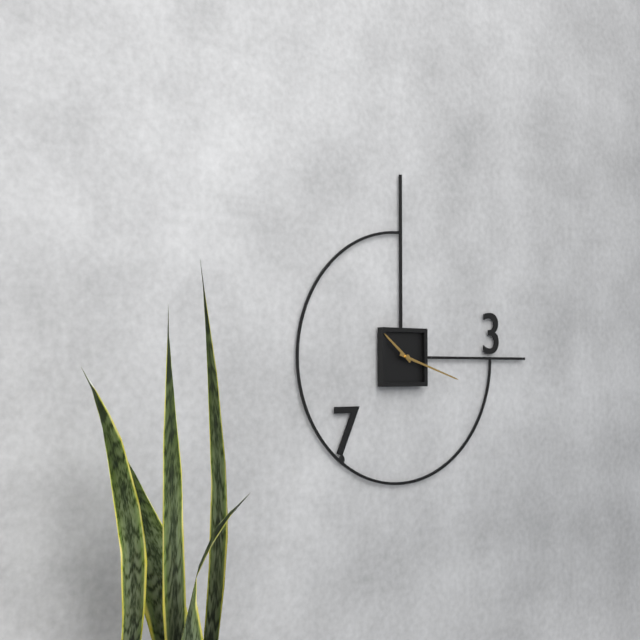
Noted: **10:18**
